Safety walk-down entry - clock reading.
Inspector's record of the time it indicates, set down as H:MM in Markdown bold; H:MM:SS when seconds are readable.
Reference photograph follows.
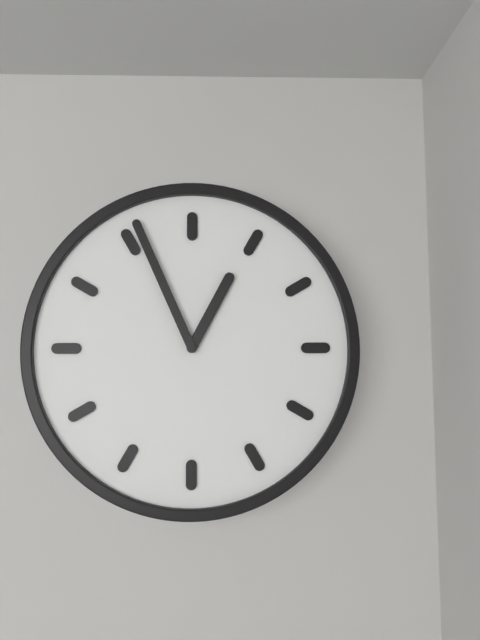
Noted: **12:56**
